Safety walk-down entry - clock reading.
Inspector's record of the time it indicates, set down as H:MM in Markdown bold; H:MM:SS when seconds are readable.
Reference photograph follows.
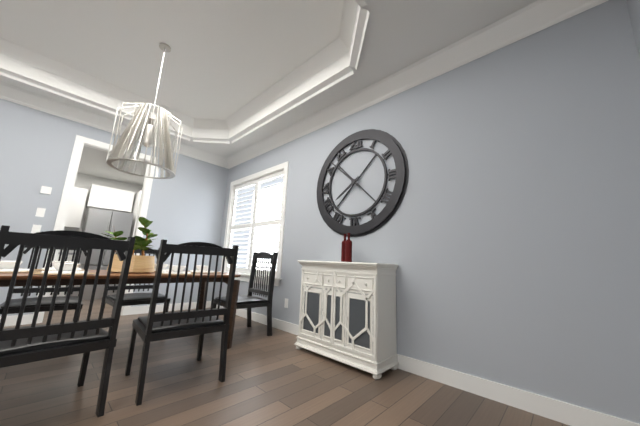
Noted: **7:52**
